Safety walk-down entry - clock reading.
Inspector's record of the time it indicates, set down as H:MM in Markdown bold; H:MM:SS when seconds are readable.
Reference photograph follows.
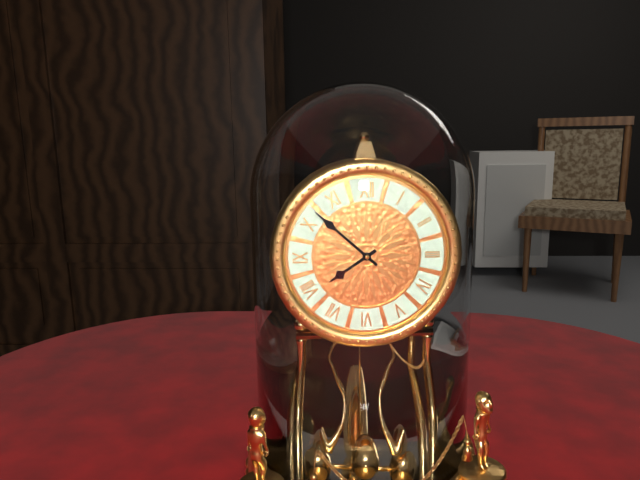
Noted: **7:52**
